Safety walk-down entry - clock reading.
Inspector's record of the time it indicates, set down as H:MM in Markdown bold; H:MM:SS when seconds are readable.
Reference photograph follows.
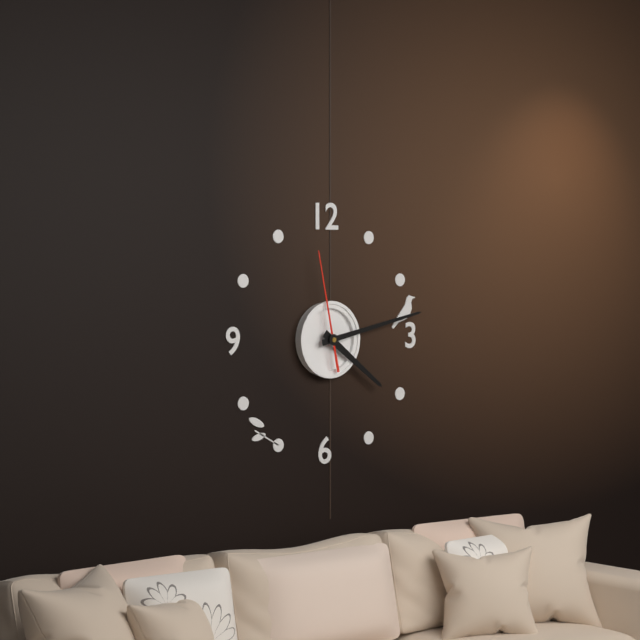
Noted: **4:13:58**
